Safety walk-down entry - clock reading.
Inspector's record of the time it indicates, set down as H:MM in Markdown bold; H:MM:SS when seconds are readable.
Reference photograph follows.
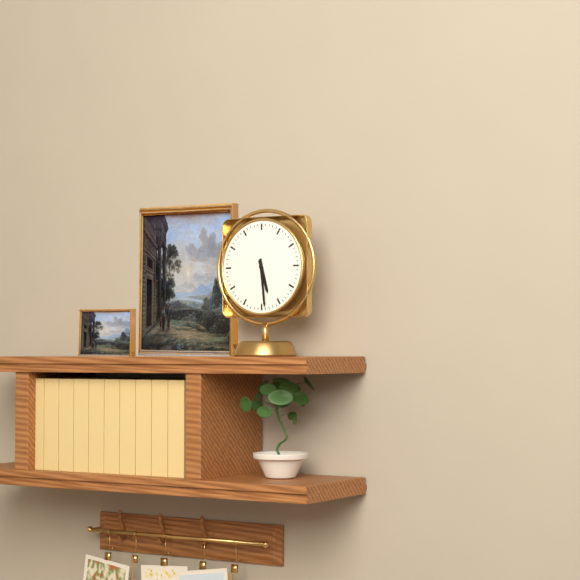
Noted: **5:29**
